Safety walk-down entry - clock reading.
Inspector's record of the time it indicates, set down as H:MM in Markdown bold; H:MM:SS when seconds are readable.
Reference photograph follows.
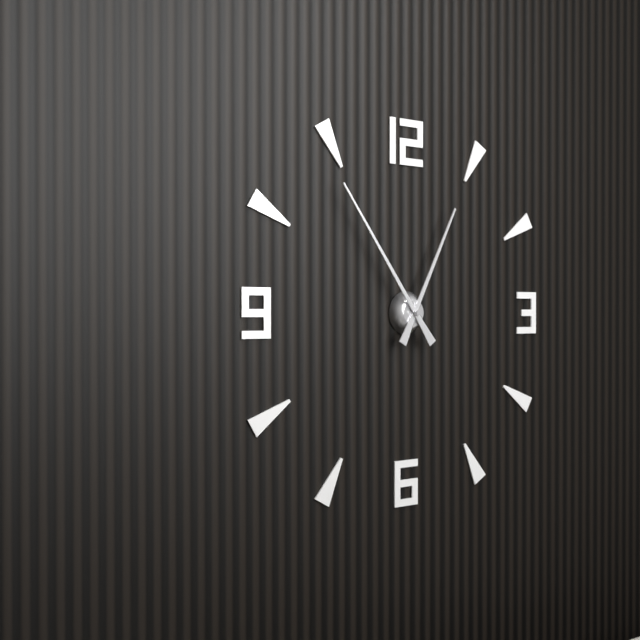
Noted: **12:54**
